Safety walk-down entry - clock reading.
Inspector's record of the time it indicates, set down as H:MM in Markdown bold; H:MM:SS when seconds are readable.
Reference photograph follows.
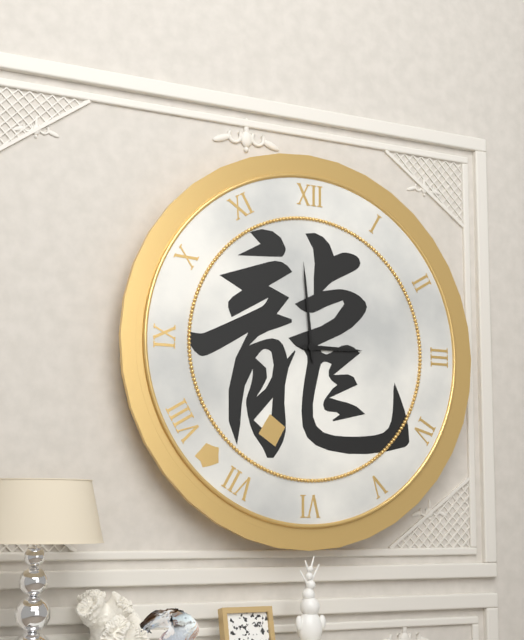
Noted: **2:59**
